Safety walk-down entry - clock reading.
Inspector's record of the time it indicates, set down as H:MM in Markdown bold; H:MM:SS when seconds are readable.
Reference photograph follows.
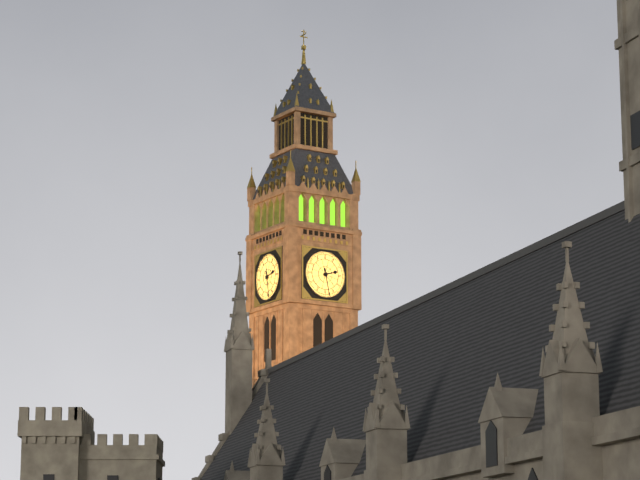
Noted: **2:28**
